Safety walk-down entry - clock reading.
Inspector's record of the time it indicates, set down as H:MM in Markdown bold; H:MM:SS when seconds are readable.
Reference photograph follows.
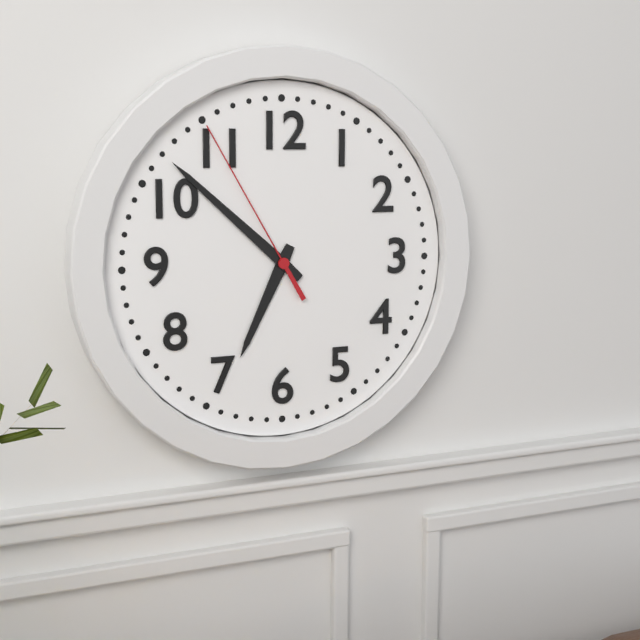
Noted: **6:52:55**
